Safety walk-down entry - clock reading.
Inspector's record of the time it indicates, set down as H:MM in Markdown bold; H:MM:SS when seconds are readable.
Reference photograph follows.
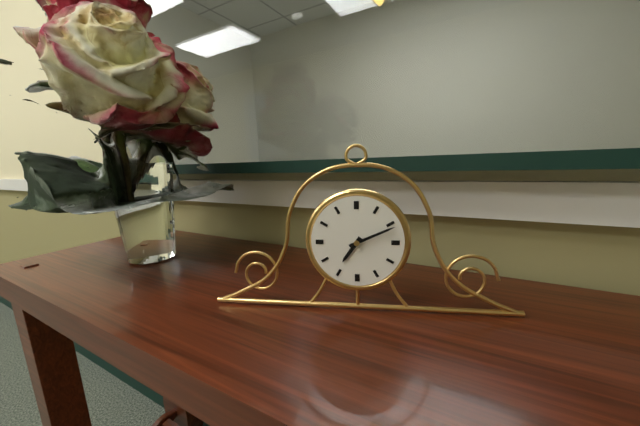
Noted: **7:11**
